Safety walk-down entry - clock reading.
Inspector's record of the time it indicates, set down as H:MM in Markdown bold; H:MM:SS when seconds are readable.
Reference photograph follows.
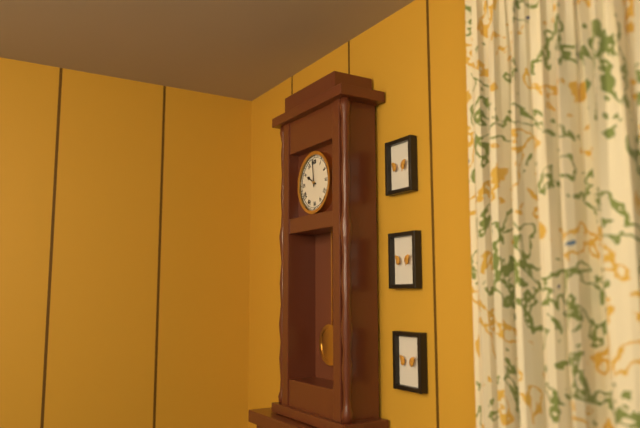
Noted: **9:59**
